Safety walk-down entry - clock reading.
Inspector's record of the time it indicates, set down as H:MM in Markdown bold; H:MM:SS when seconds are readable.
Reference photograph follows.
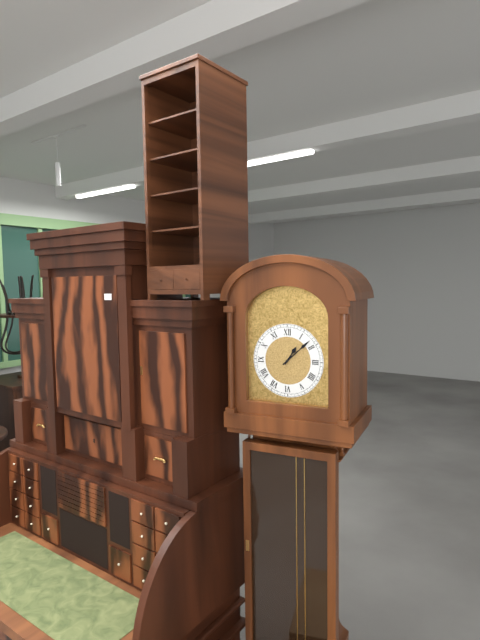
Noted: **1:08**
